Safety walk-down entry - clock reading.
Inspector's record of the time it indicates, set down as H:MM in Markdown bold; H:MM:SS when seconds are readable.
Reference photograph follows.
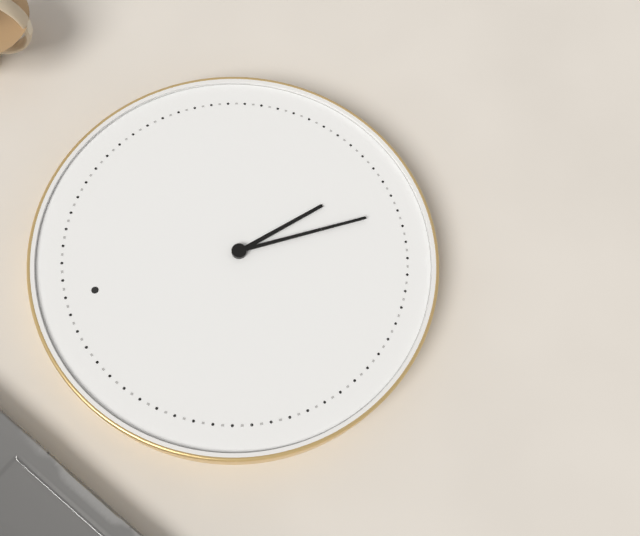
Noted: **5:30**
